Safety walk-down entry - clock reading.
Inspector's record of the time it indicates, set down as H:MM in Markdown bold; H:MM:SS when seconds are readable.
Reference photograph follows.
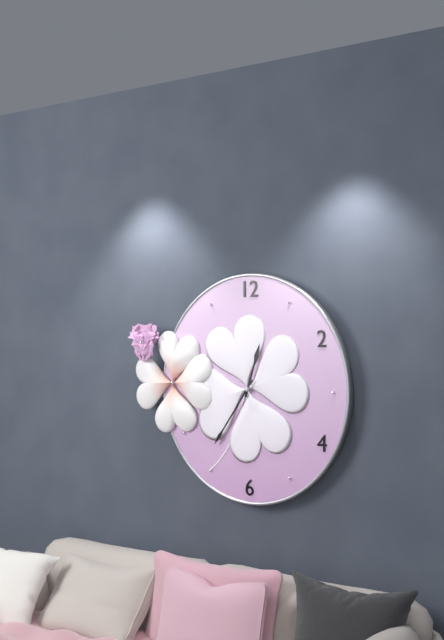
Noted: **12:36**
